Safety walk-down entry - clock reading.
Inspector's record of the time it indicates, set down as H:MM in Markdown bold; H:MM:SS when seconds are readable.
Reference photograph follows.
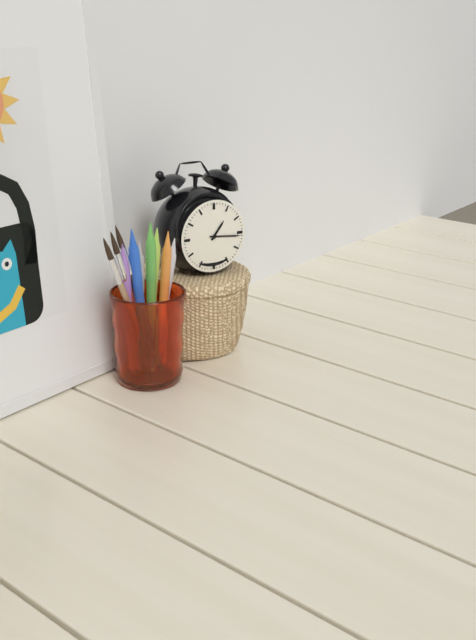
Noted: **1:16**
